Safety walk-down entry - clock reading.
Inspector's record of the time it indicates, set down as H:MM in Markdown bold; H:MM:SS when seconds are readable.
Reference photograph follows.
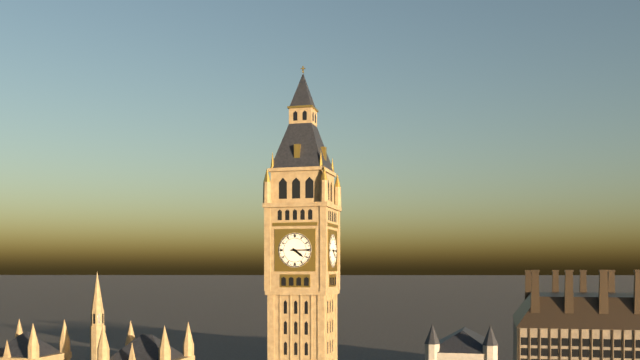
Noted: **4:15**
